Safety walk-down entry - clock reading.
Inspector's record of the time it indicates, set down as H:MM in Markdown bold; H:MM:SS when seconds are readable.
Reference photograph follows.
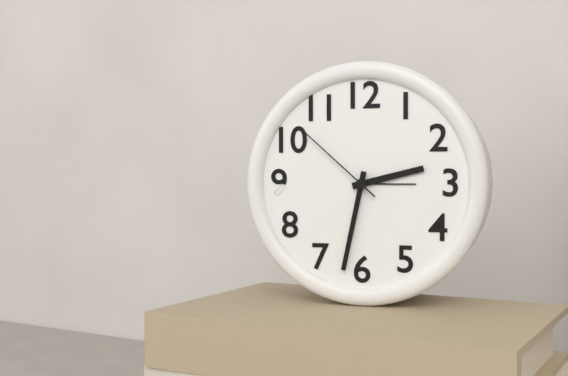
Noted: **2:32:52**
